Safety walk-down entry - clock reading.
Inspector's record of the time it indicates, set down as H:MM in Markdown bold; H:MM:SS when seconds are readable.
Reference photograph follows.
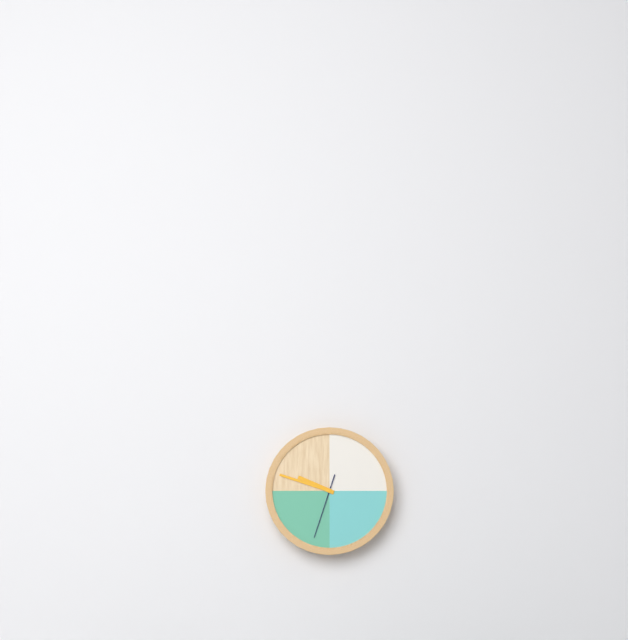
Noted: **9:48:33**
